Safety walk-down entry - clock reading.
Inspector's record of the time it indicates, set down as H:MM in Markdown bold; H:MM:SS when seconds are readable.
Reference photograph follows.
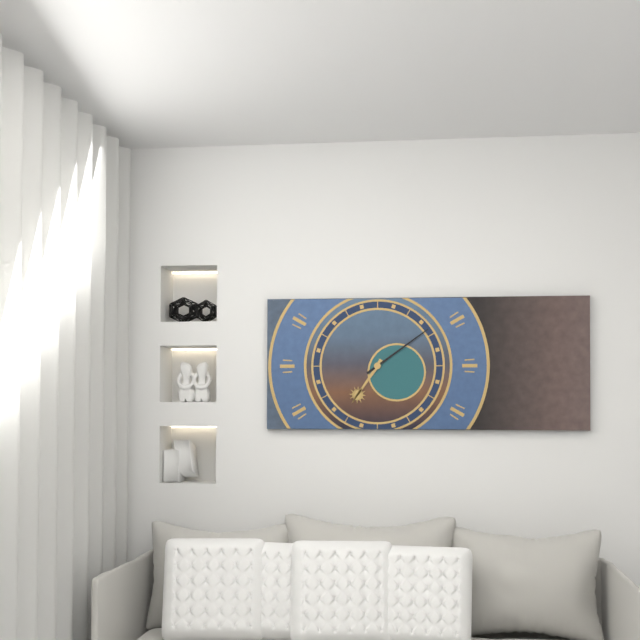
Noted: **7:09**
